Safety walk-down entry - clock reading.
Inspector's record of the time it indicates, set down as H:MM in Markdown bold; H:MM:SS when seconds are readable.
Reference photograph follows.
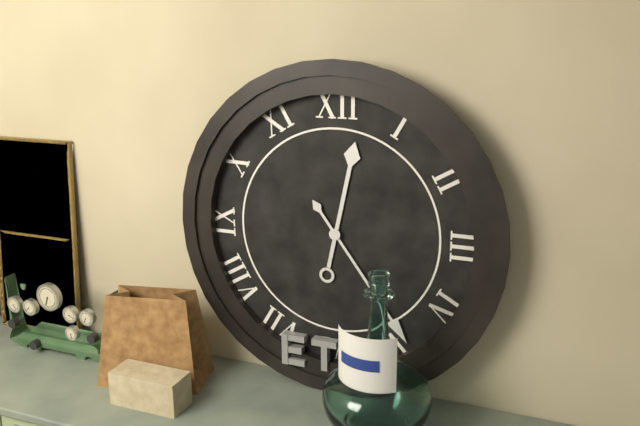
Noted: **12:24**
